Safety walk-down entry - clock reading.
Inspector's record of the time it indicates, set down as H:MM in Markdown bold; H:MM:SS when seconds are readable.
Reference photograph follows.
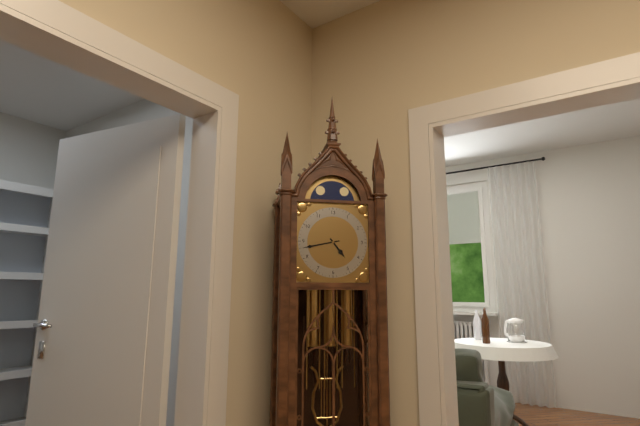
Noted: **4:43**
